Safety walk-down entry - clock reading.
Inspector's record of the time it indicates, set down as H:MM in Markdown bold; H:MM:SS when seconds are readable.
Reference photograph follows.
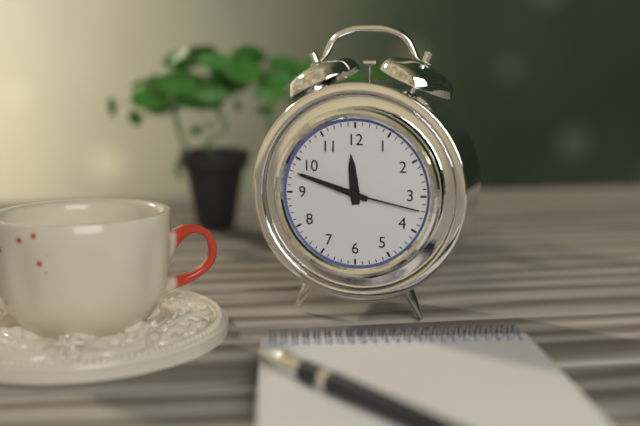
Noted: **11:48:17**
